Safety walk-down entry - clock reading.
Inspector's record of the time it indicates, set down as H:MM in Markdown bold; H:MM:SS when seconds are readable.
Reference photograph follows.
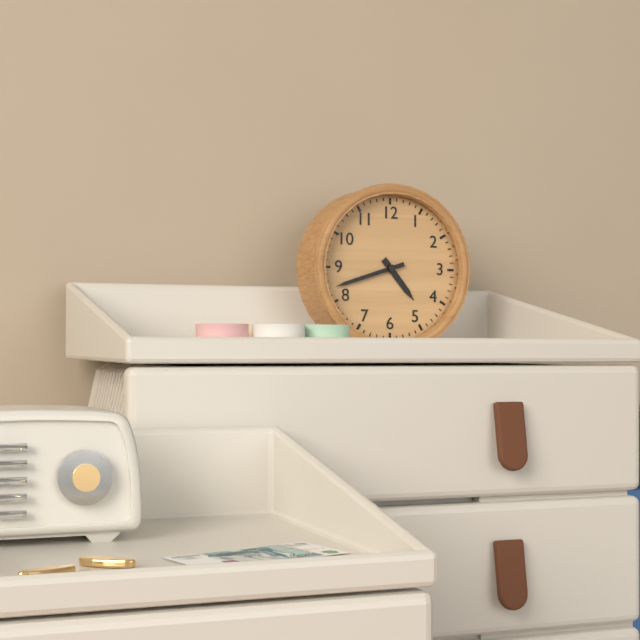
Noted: **4:42**
